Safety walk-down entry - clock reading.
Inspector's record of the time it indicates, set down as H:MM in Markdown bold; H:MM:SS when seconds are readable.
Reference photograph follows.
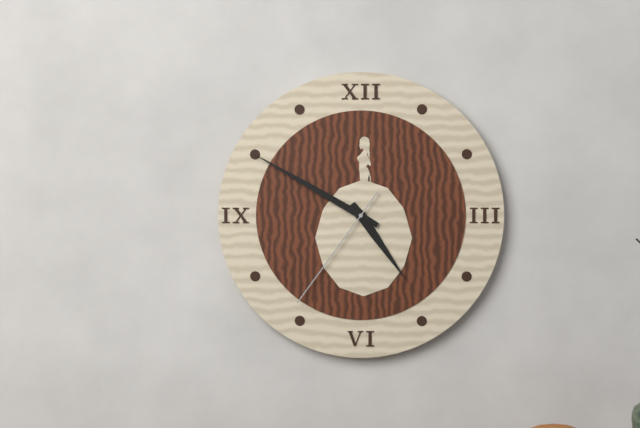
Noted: **4:50:36**
